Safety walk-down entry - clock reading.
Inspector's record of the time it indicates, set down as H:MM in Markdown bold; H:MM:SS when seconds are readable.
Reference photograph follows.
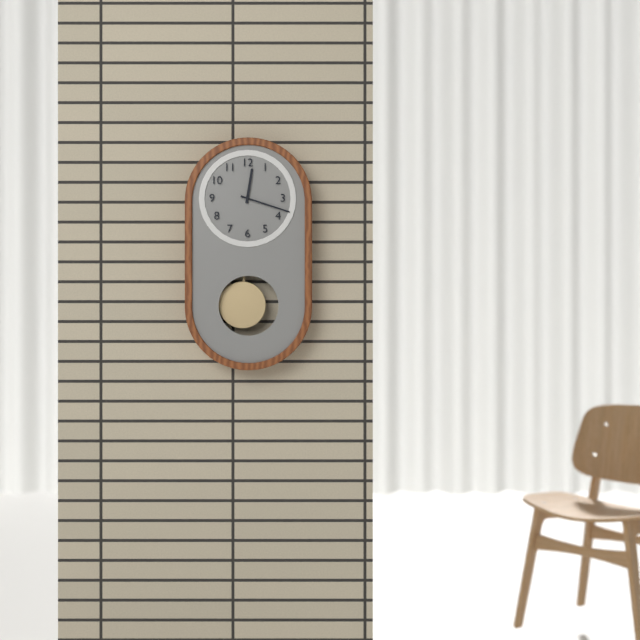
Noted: **12:18**
